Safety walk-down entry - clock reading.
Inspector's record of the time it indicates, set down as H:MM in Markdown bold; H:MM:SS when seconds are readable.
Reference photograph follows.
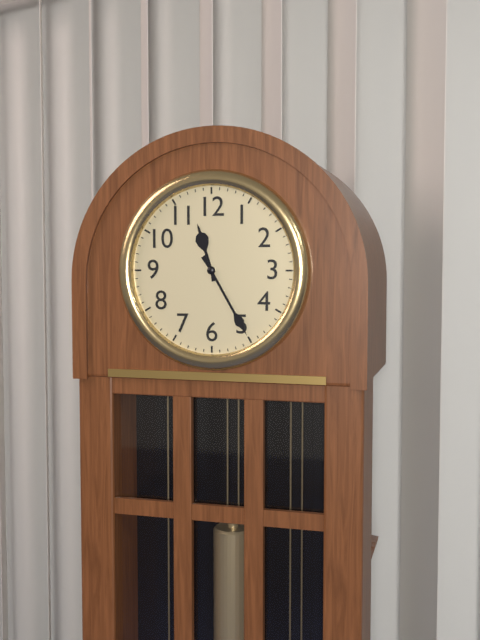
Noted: **11:25**
